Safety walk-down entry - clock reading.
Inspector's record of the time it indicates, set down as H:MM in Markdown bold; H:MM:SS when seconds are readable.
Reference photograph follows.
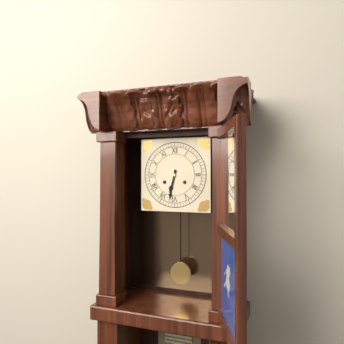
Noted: **6:32**
